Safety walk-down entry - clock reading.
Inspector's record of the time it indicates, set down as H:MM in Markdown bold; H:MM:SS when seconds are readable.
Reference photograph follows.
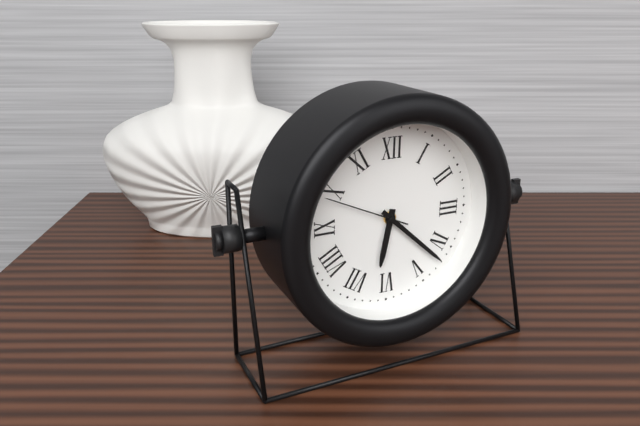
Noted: **6:22:49**
